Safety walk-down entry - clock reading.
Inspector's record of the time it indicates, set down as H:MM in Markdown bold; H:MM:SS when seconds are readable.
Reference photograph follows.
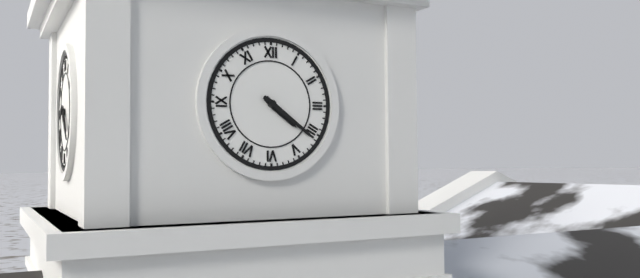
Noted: **4:21**
